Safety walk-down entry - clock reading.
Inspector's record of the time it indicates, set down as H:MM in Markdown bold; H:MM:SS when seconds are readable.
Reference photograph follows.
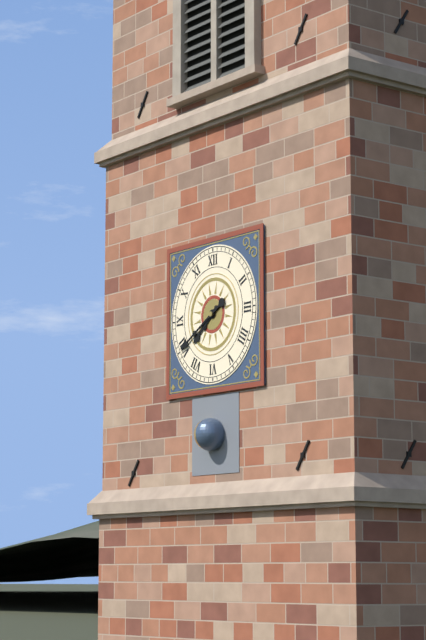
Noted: **7:40**
